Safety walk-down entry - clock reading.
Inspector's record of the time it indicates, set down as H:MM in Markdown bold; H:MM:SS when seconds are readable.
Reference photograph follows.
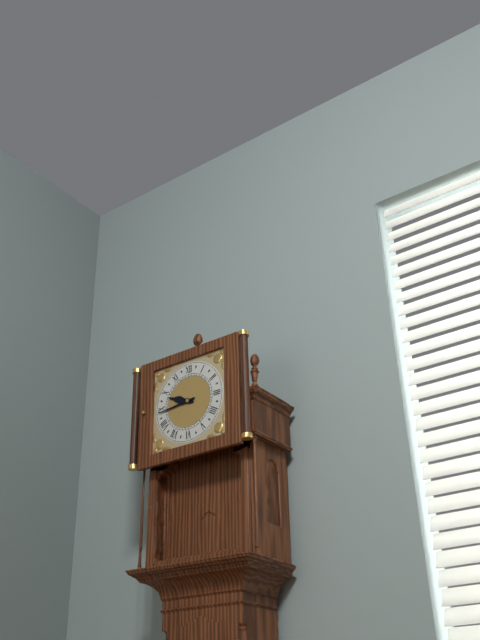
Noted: **9:44**
